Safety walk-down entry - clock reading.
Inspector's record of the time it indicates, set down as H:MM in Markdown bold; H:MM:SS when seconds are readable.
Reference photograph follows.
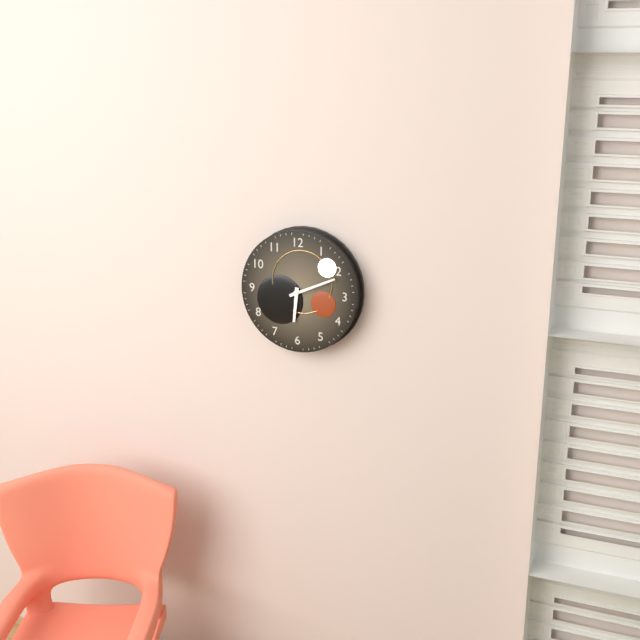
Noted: **6:11**
